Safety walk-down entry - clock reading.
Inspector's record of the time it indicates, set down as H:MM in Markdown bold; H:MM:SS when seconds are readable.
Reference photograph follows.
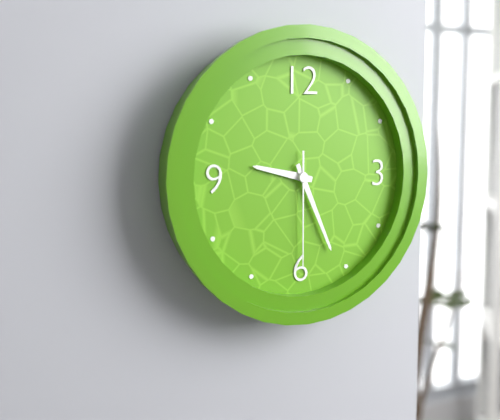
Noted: **9:26:30**
